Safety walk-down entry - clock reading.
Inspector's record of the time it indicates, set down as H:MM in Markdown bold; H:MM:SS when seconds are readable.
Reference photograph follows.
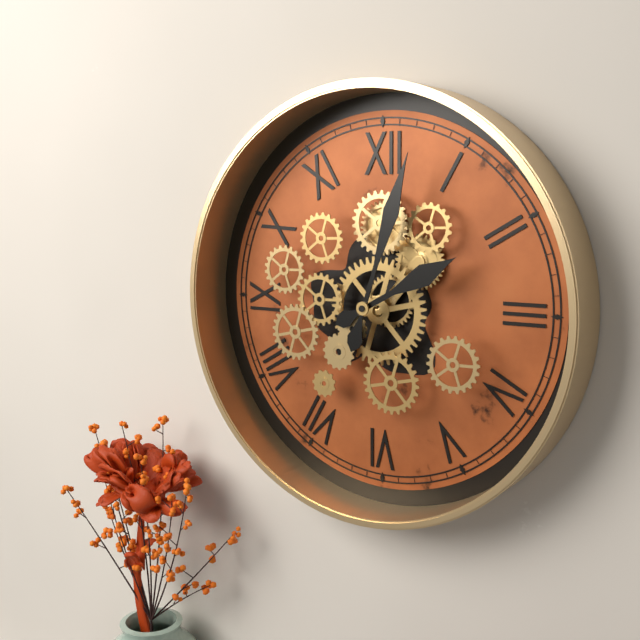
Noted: **2:03**
